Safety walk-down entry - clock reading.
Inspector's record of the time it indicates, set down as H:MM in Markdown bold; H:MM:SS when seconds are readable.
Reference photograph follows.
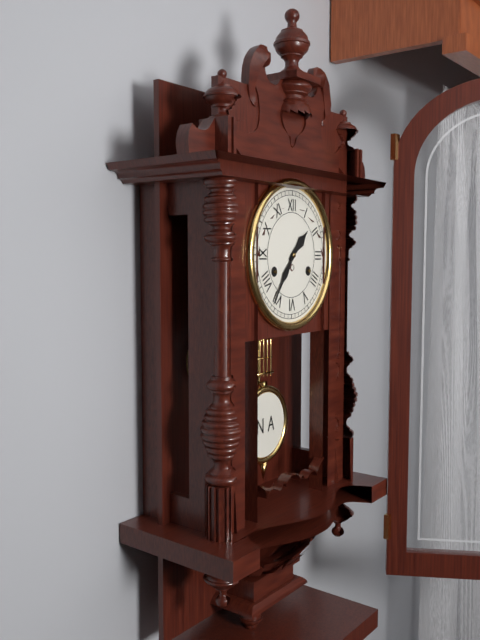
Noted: **1:36**
